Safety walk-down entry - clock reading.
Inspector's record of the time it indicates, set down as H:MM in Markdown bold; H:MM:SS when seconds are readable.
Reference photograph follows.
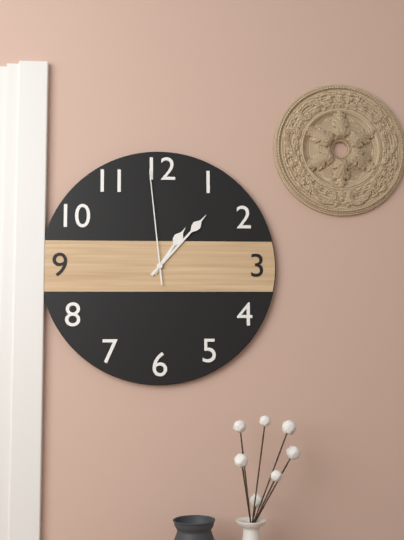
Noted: **1:07:59**
